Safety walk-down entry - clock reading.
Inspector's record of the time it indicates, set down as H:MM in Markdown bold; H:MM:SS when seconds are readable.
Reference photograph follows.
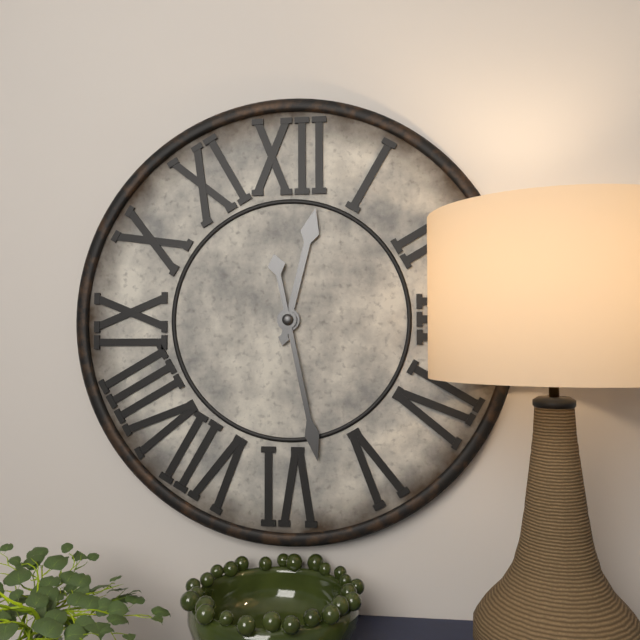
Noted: **12:28**
